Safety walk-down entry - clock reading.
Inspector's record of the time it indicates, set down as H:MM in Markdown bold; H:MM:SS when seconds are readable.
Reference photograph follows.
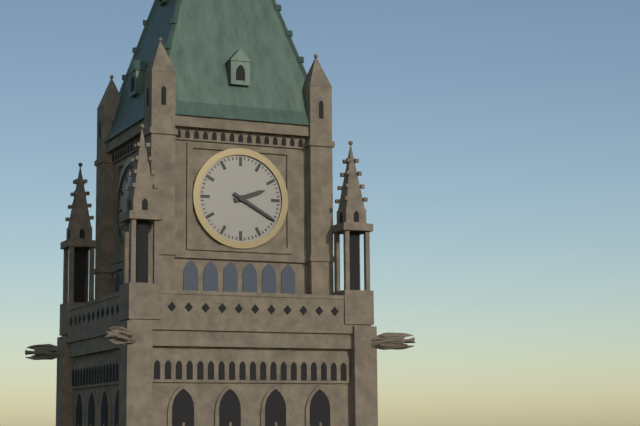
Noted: **2:20**
